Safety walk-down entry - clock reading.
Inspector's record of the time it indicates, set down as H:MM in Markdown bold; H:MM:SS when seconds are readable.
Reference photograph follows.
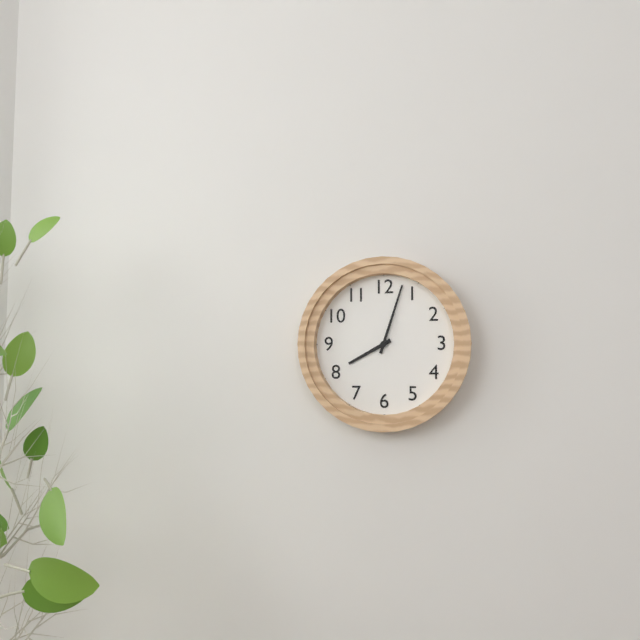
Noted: **8:03**
